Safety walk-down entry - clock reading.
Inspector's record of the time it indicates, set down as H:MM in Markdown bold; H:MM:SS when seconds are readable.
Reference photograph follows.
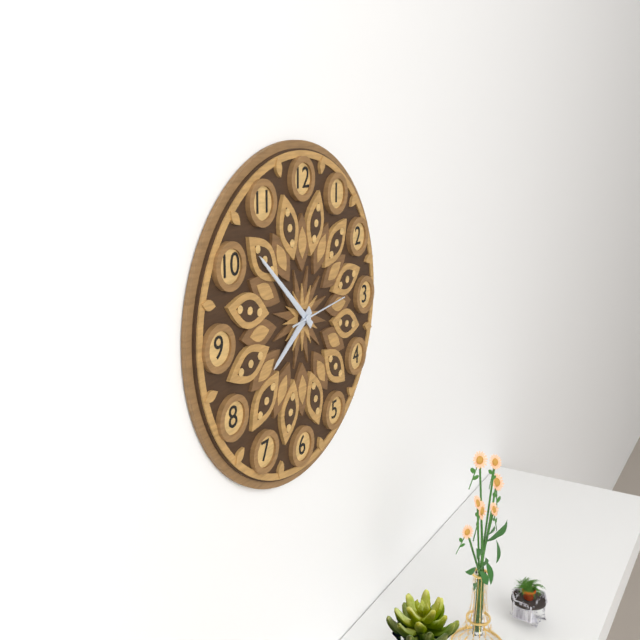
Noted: **7:52:14**
